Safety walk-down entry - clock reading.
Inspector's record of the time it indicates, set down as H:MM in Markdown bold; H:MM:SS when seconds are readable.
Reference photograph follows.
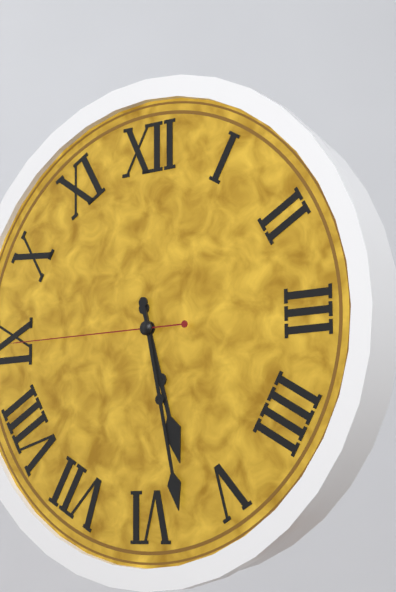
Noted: **5:28:45**
